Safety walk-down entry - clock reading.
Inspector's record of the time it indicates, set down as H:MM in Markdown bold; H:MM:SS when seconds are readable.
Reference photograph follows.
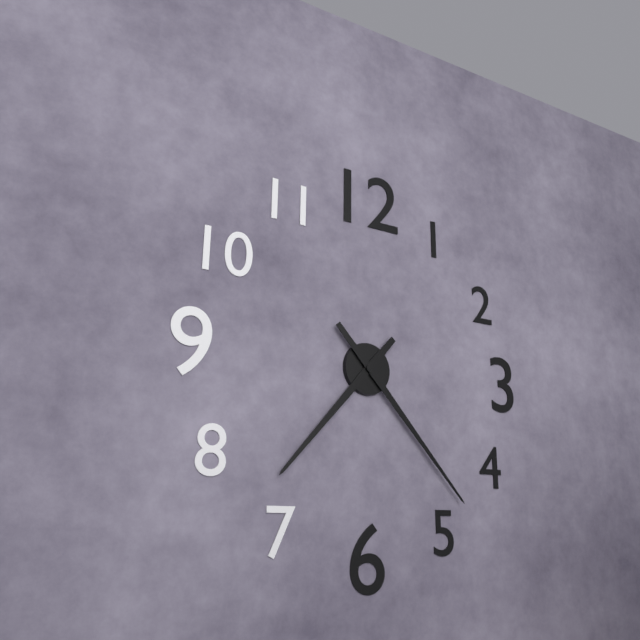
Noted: **7:23**
